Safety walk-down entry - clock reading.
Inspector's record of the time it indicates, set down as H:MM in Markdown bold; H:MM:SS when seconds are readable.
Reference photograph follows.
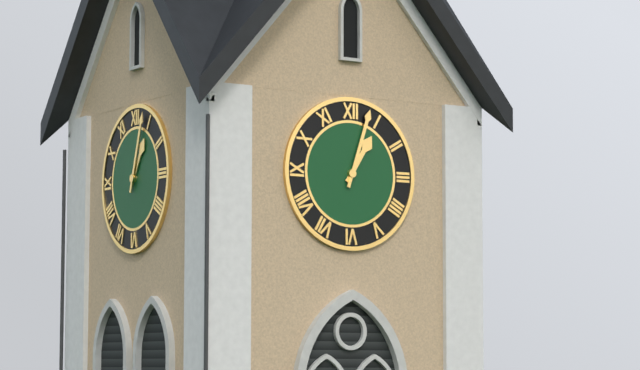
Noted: **1:03**
